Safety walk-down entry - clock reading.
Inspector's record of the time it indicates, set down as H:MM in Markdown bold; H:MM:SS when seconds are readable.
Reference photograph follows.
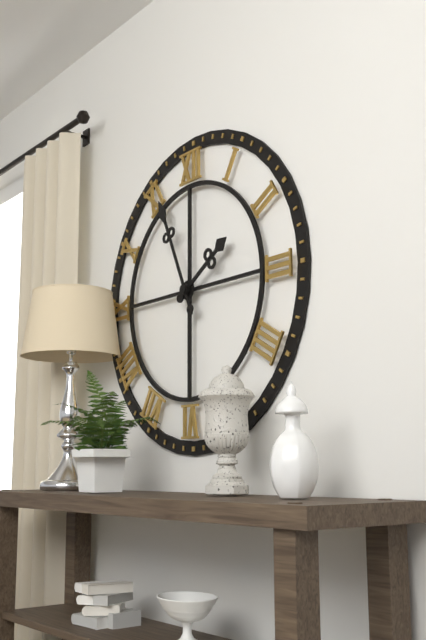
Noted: **1:56**
